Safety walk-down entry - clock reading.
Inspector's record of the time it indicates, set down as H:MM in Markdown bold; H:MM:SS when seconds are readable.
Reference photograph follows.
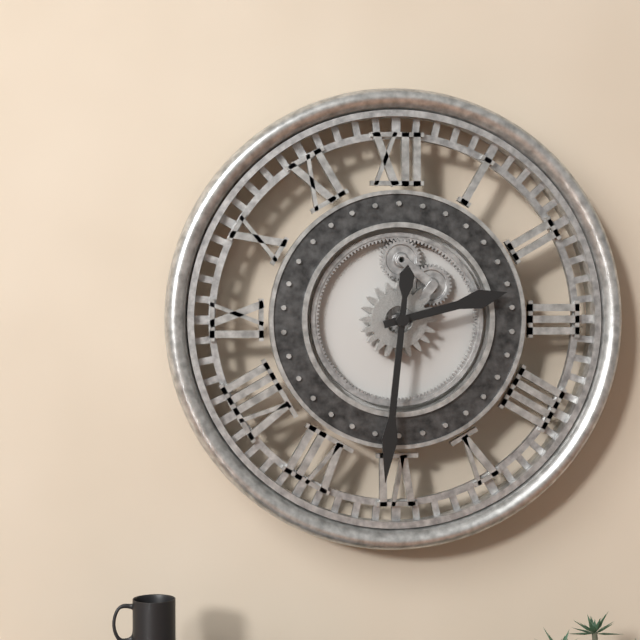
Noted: **2:31**
